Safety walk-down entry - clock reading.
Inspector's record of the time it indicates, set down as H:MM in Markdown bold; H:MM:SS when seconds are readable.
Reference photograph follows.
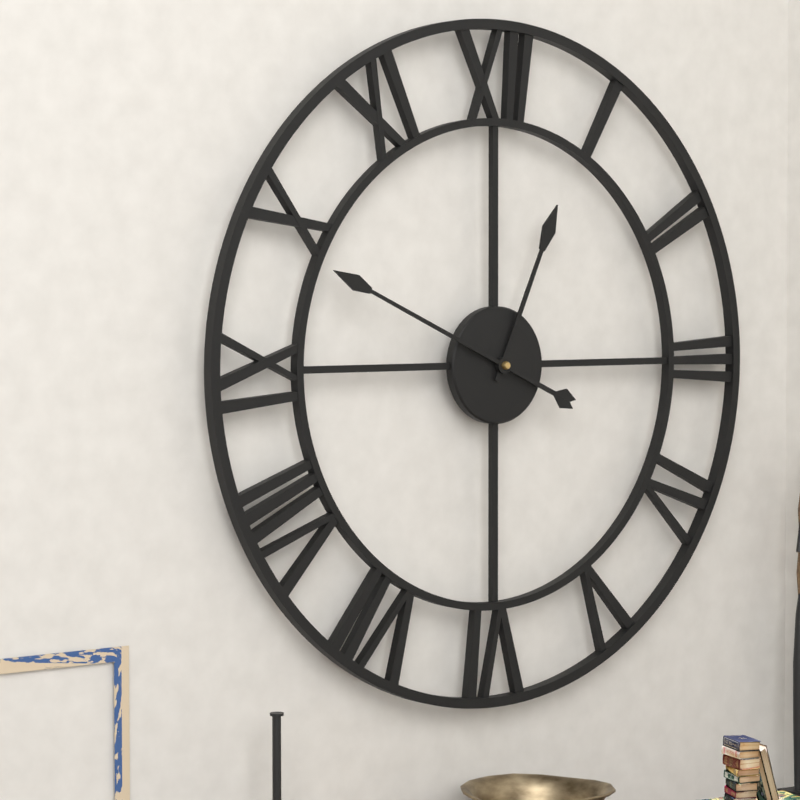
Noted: **12:49**
